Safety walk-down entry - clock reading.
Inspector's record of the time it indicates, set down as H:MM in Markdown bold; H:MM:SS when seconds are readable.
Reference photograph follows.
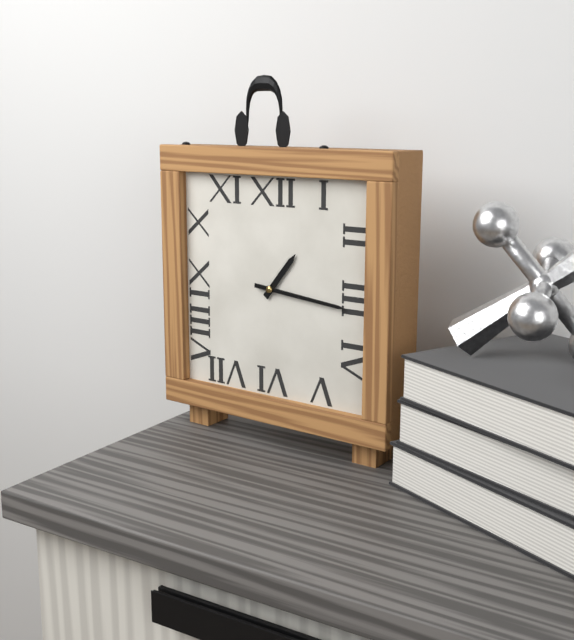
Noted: **1:16**
